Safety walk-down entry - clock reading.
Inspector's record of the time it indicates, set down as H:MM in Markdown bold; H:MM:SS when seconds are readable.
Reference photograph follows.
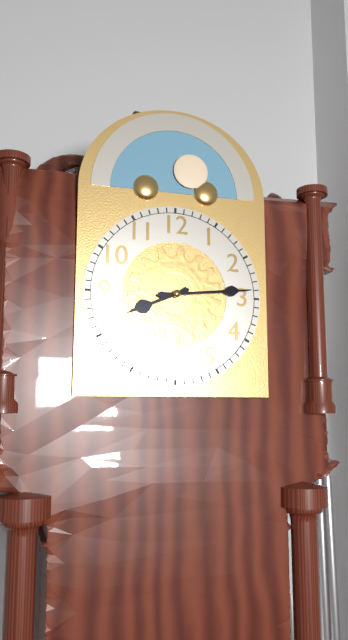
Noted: **8:14**
